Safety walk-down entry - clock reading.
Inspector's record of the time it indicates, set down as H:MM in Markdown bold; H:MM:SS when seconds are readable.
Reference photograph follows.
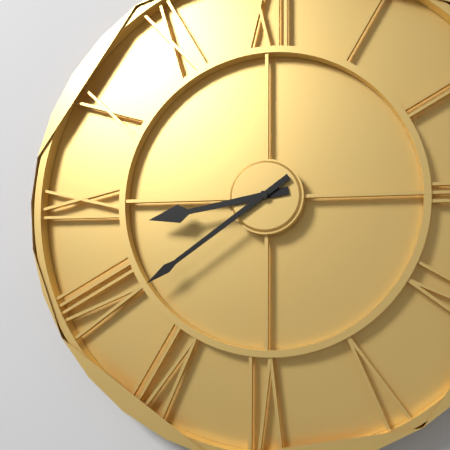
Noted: **8:39**
